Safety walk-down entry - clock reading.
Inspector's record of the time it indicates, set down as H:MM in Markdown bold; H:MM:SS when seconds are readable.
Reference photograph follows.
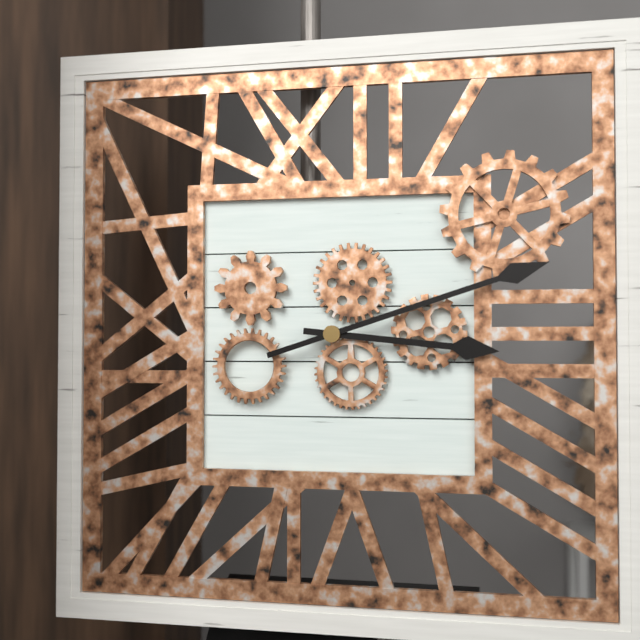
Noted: **3:12**
